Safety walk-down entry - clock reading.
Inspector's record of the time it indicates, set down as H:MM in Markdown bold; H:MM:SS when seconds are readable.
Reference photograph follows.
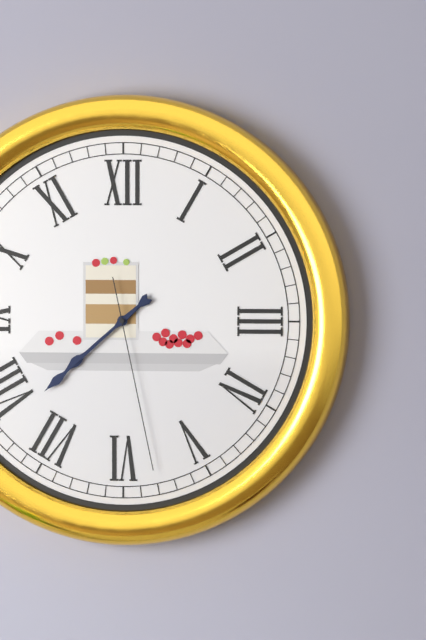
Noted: **7:38:28**
